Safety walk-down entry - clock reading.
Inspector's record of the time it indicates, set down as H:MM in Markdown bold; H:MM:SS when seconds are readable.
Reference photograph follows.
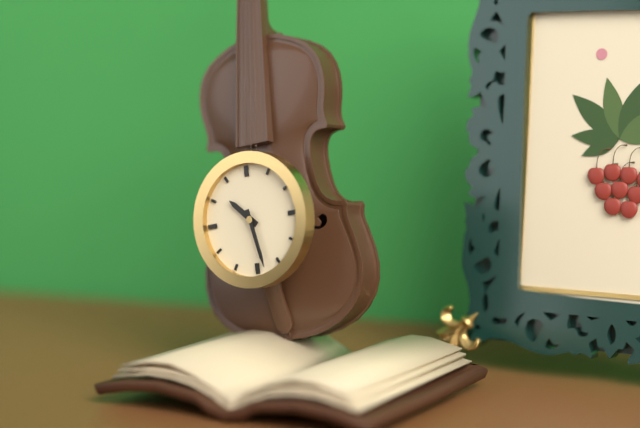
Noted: **10:28**
